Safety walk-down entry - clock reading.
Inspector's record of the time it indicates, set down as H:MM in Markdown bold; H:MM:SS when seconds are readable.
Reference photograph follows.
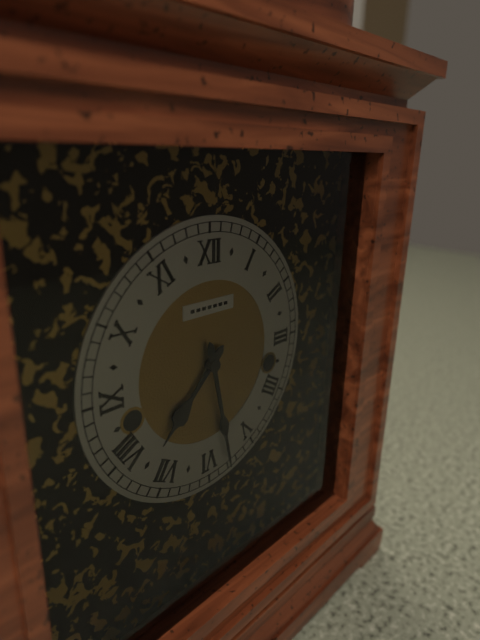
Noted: **7:28**
